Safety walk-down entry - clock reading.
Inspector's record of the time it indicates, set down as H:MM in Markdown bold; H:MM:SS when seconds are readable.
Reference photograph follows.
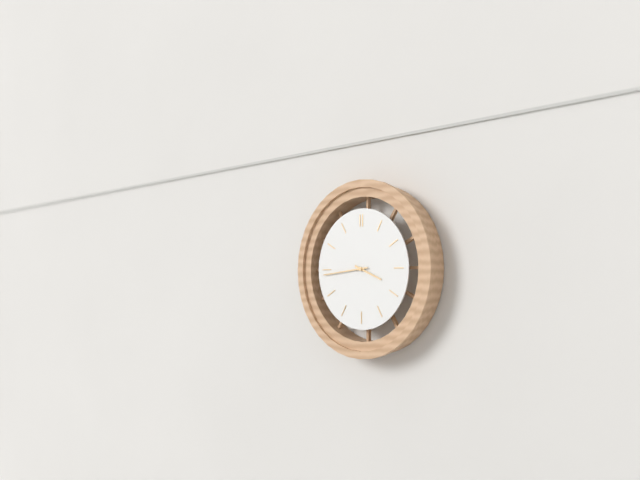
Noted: **3:44**
